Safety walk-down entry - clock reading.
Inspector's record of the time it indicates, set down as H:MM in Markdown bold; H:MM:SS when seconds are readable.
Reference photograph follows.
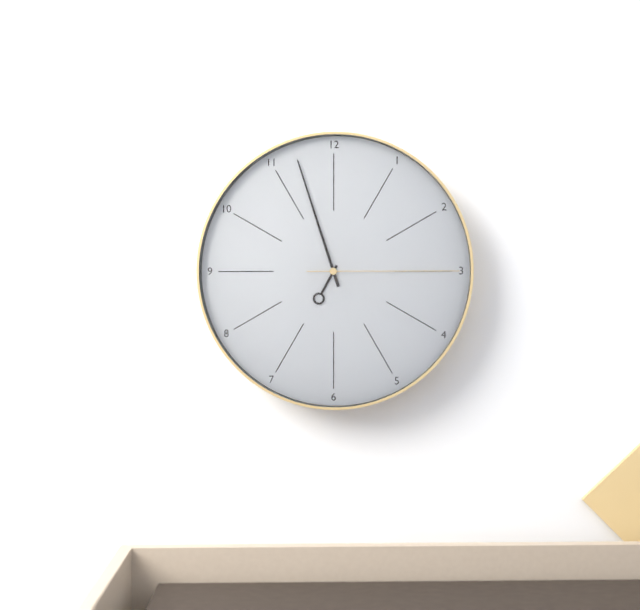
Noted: **6:57:15**
